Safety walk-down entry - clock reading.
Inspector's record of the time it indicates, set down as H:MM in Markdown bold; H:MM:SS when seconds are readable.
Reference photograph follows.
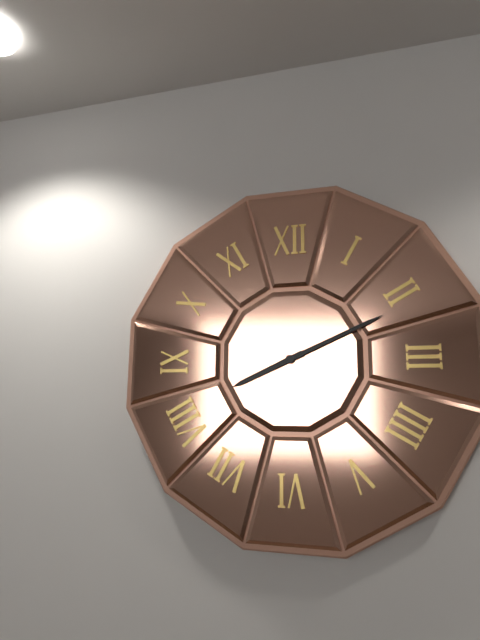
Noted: **8:11**
